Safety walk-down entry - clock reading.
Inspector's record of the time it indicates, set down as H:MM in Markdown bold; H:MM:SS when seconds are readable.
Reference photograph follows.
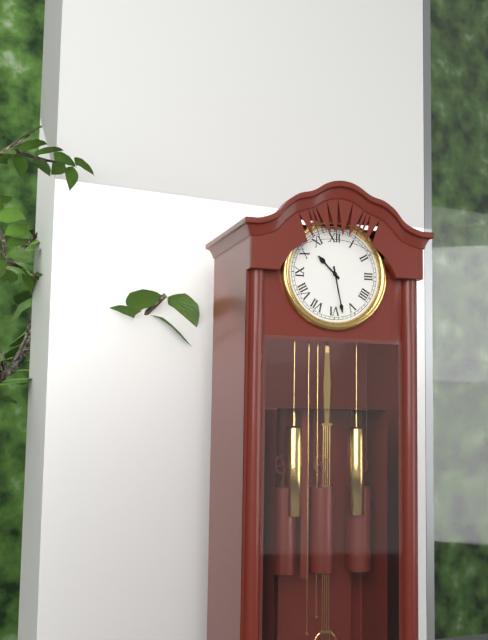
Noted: **10:28**
